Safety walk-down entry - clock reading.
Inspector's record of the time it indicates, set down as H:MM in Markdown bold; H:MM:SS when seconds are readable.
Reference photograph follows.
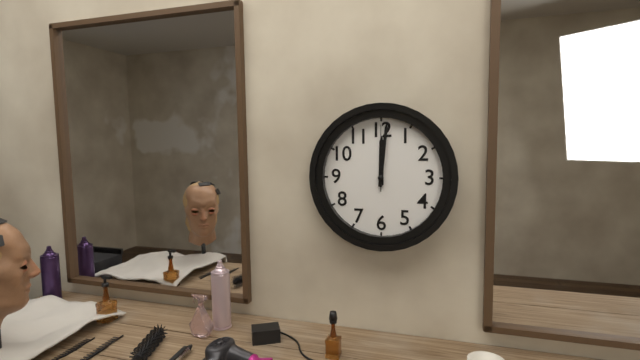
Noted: **12:01:00**
